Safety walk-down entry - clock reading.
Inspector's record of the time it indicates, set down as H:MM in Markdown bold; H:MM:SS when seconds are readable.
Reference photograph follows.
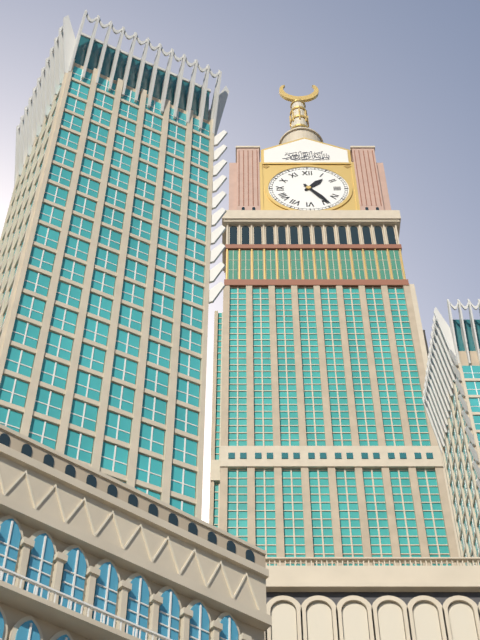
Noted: **1:24**
